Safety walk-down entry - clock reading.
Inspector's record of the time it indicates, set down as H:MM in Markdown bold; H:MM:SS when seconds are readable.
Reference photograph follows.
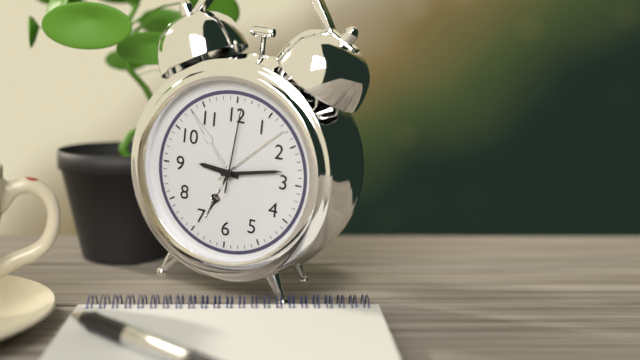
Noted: **9:13:01**
